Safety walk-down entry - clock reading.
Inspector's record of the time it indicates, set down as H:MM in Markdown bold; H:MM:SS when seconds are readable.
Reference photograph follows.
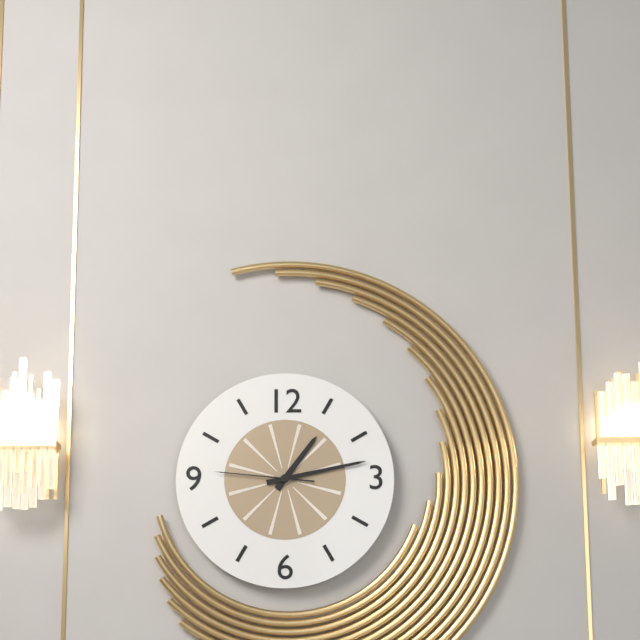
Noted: **1:13:46**
